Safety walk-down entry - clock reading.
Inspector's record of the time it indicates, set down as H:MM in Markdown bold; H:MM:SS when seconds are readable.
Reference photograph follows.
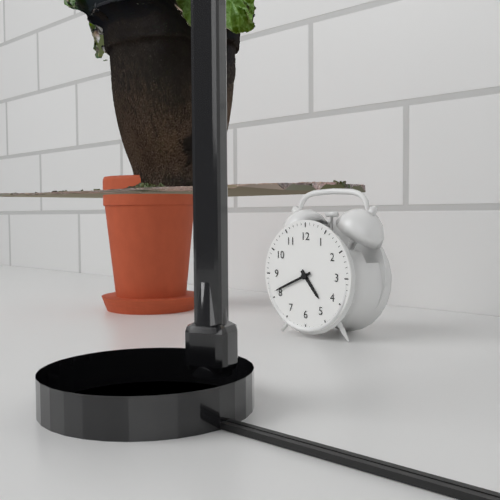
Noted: **4:41**
